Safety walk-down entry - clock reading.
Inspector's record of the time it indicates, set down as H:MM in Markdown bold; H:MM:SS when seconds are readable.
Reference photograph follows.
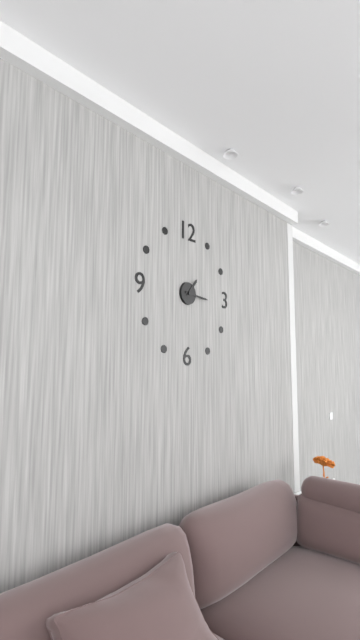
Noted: **1:16**
